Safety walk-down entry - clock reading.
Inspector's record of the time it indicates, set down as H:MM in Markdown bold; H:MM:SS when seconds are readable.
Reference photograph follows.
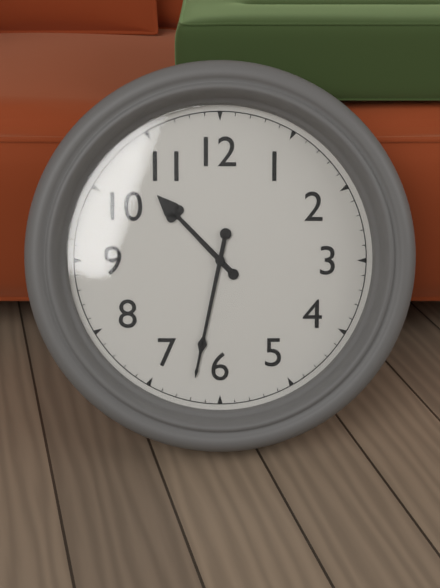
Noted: **10:32**
